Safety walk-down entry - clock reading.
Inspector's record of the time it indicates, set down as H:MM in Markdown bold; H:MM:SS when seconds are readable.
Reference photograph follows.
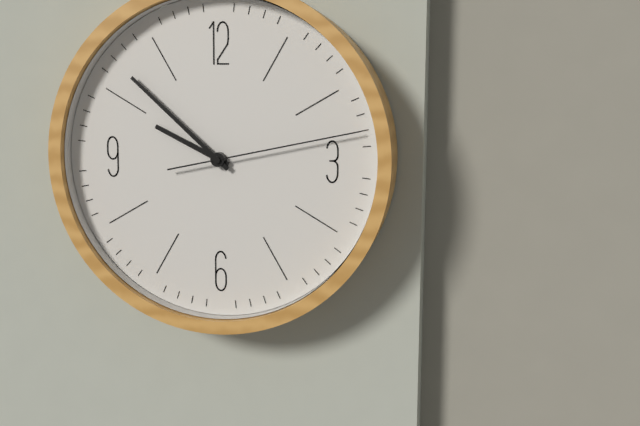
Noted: **9:52:13**
